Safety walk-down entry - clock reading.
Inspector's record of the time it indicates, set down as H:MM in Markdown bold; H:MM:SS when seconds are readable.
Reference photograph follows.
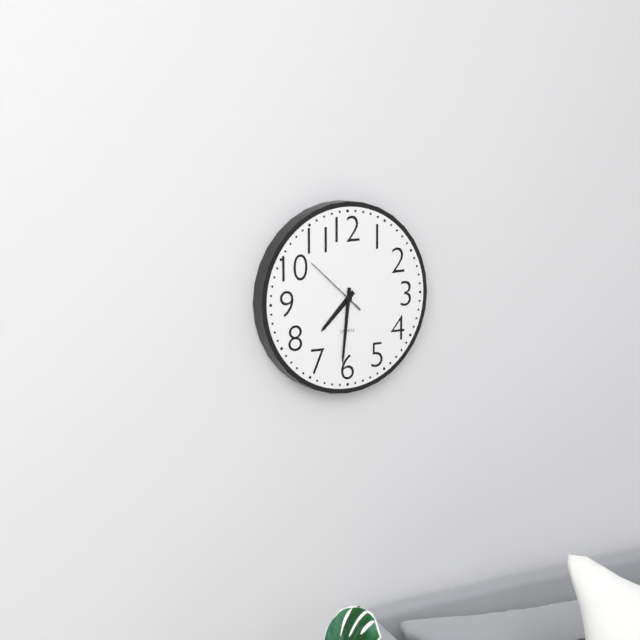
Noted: **7:31:52**
